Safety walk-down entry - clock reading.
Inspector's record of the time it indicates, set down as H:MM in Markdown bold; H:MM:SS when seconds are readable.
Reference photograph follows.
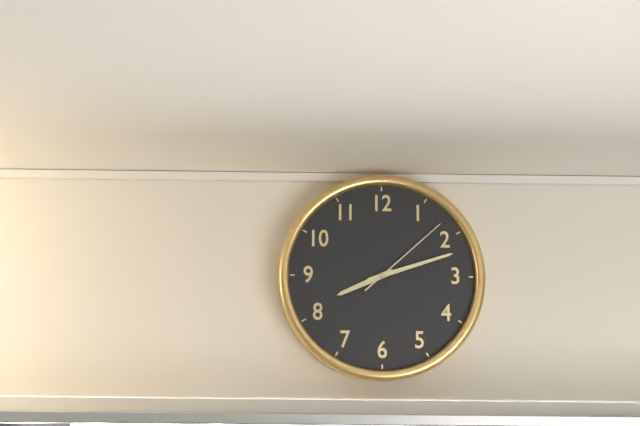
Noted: **8:12:08**
